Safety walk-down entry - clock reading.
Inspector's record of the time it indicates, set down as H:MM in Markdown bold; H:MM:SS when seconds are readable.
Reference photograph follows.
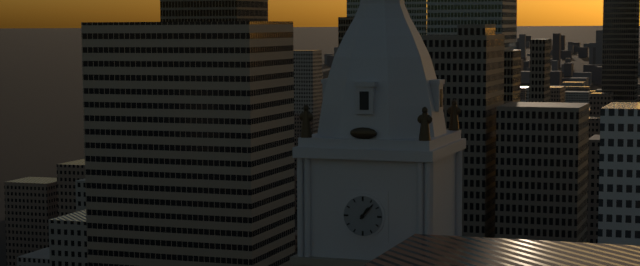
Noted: **1:07**
